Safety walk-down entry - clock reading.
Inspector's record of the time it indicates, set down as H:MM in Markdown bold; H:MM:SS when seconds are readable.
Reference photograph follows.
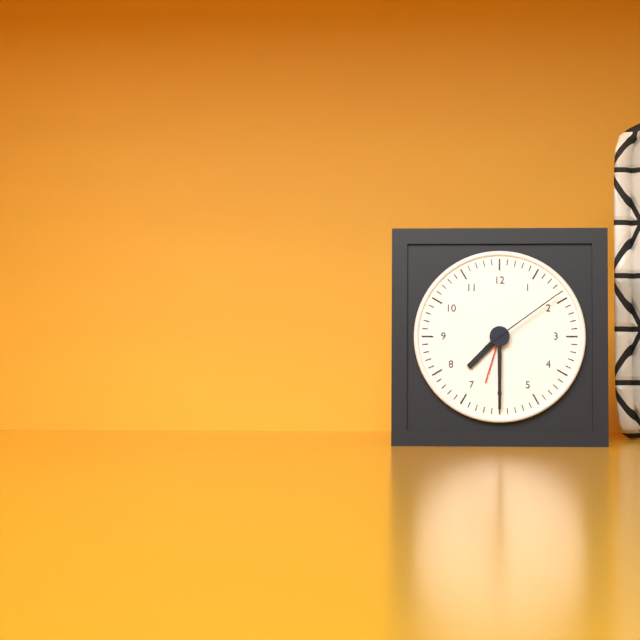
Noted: **7:30:09**
